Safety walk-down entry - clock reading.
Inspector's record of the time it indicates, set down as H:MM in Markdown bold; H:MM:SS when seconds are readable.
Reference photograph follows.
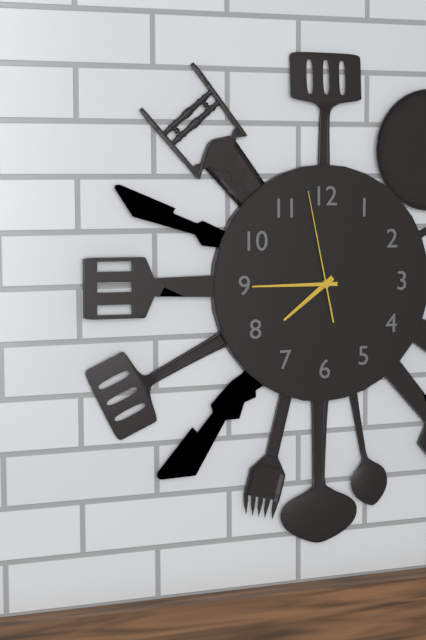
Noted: **7:45:58**
